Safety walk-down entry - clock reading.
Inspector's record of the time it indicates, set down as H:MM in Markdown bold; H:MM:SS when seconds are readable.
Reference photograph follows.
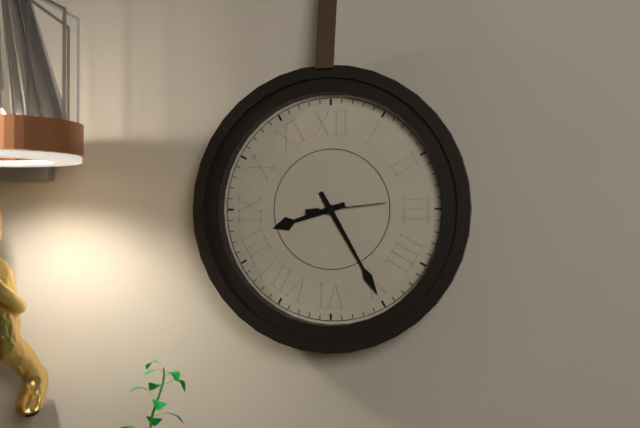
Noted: **8:25:14**
